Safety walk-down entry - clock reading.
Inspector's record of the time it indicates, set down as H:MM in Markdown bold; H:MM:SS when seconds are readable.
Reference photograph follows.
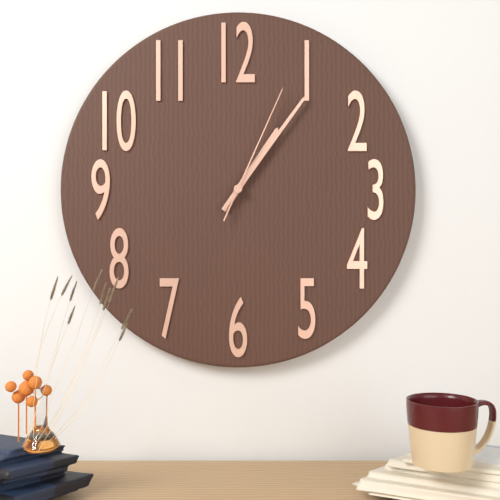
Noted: **1:06:04**
